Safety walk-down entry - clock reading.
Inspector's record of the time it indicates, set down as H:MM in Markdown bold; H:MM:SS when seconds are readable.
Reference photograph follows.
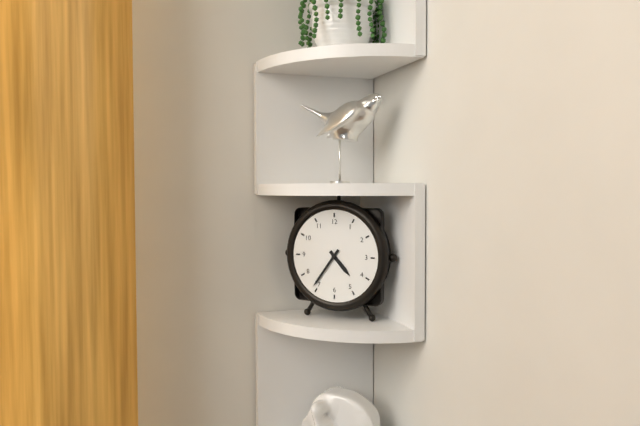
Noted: **4:36**
